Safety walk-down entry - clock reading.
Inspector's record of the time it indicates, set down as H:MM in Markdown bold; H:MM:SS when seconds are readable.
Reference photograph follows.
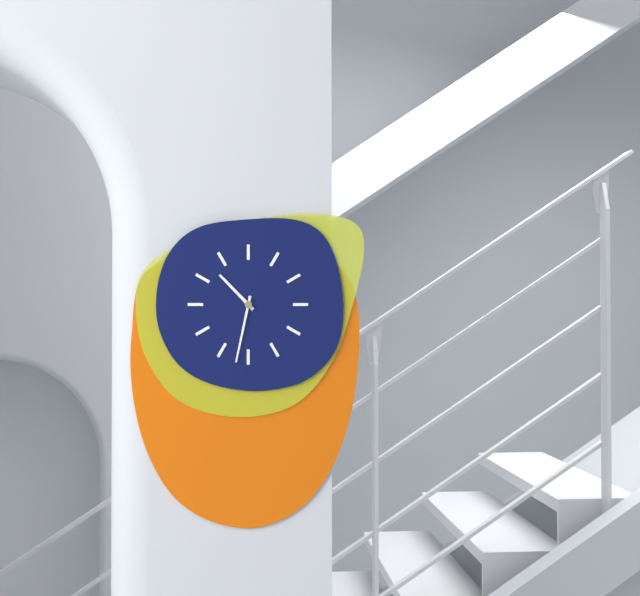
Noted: **10:32**
